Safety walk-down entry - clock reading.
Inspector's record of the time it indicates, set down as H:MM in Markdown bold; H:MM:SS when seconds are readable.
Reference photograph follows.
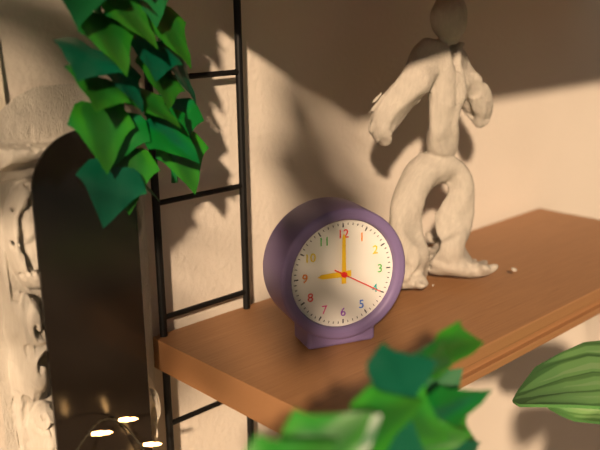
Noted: **9:00:20**
